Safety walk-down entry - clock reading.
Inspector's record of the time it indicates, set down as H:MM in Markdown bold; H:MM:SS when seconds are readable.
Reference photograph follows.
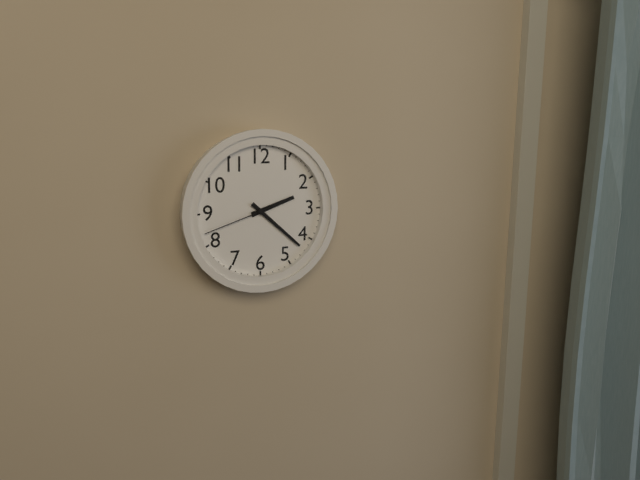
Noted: **2:22:42**
